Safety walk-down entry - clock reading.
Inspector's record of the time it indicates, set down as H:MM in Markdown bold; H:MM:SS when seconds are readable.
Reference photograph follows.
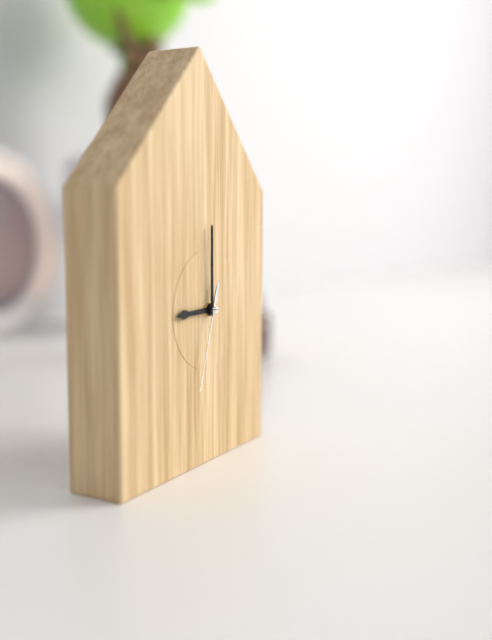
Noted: **9:00:33**
